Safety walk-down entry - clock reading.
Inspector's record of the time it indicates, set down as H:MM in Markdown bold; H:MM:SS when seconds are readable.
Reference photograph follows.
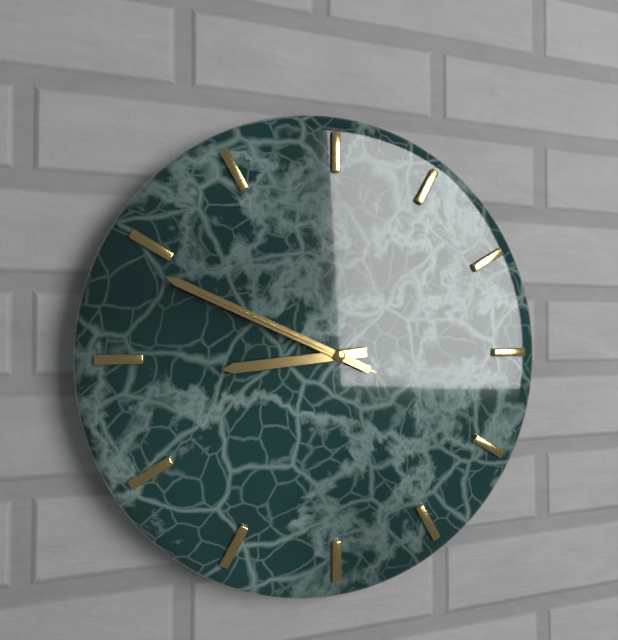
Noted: **8:49:49**
